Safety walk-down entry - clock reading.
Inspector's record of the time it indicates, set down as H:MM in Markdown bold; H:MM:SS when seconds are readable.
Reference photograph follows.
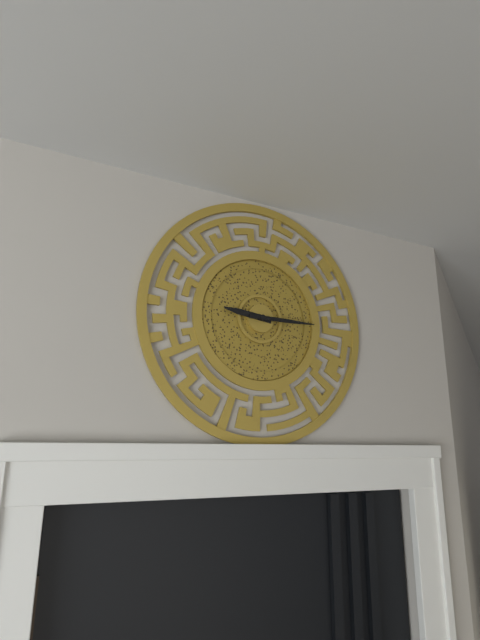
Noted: **9:15**
